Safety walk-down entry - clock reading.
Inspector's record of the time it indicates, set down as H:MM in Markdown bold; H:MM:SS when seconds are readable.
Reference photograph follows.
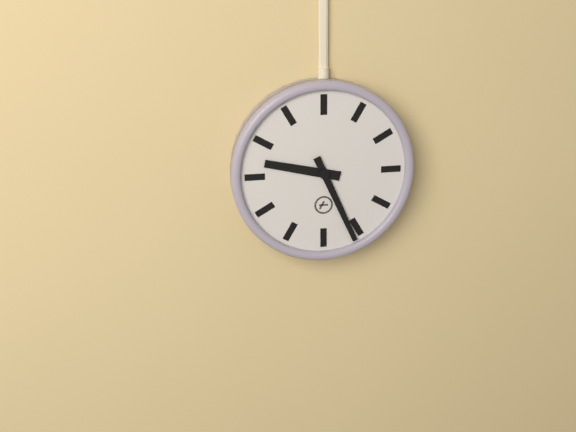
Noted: **9:26**
